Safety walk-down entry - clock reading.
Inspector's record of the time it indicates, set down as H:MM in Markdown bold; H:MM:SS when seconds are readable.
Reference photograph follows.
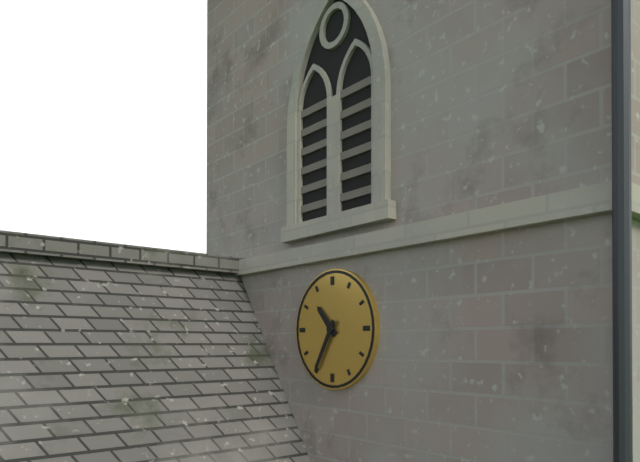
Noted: **10:35**
